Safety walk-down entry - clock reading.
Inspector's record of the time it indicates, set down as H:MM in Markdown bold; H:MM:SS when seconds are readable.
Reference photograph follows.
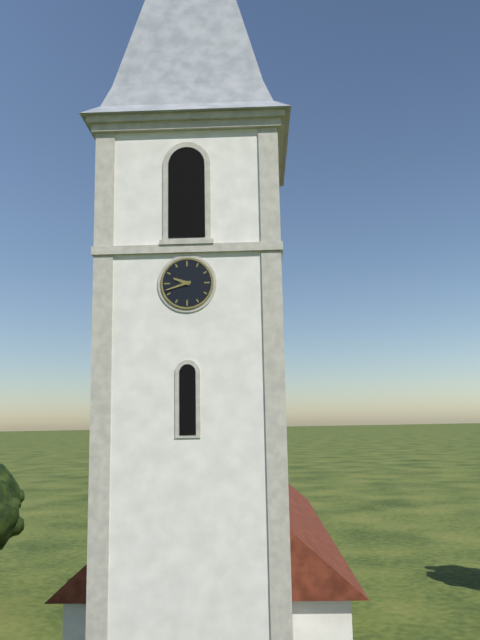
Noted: **9:42**
